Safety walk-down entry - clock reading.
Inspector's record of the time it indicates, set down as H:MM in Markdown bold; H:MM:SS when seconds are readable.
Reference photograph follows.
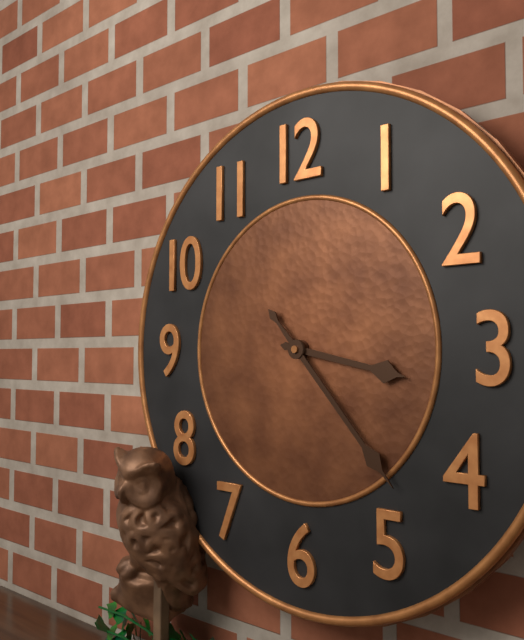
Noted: **3:23**
